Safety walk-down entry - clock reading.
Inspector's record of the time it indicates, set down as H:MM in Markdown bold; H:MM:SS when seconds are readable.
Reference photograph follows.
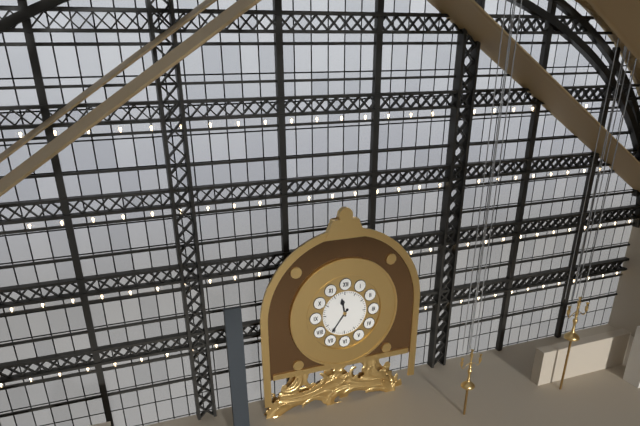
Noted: **11:36**
